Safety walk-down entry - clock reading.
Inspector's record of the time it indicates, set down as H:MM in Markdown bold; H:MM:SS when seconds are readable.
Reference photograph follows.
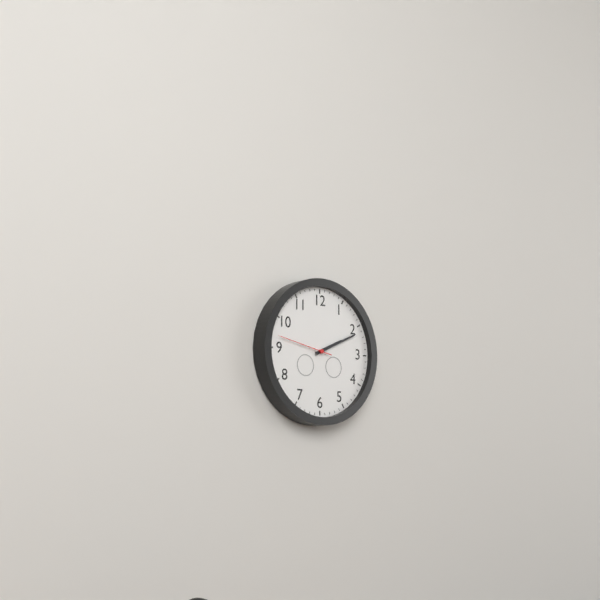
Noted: **2:11:47**
